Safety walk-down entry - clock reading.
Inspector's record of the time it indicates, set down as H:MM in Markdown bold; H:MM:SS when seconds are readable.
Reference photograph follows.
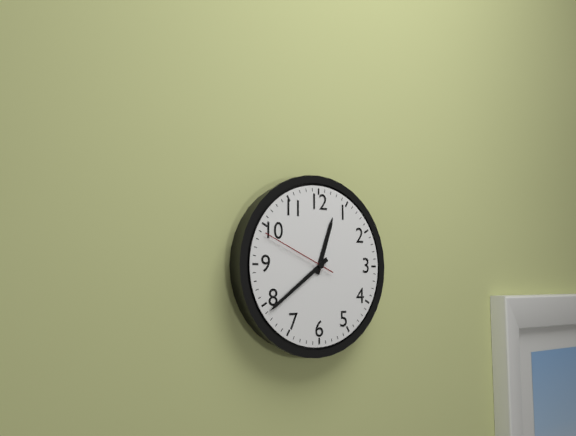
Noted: **12:39:49**
